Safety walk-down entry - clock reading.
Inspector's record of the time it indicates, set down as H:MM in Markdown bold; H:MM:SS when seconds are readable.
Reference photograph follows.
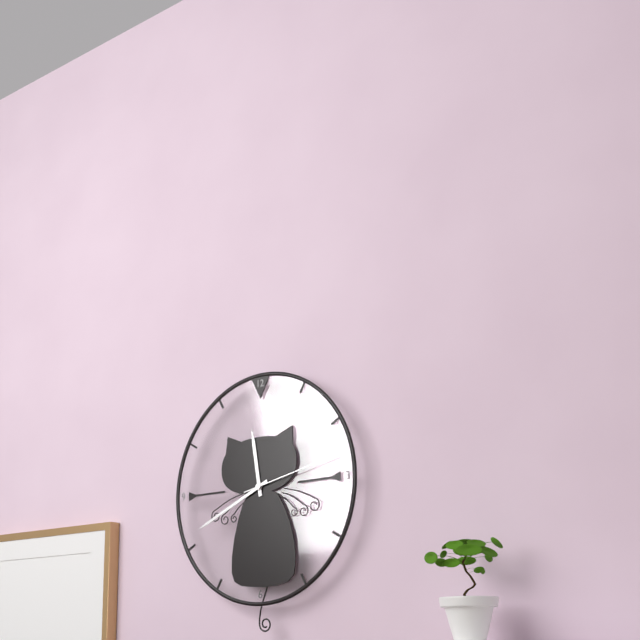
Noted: **11:41:13**
